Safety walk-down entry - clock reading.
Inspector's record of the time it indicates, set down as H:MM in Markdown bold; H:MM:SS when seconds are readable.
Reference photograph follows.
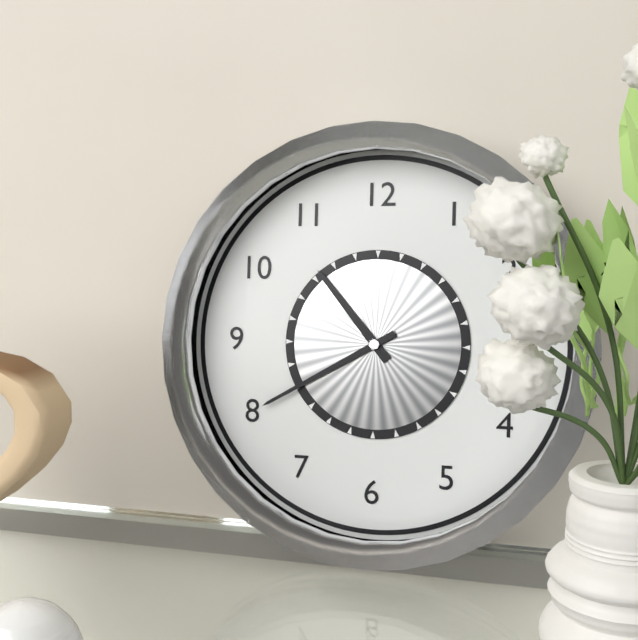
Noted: **10:40**
